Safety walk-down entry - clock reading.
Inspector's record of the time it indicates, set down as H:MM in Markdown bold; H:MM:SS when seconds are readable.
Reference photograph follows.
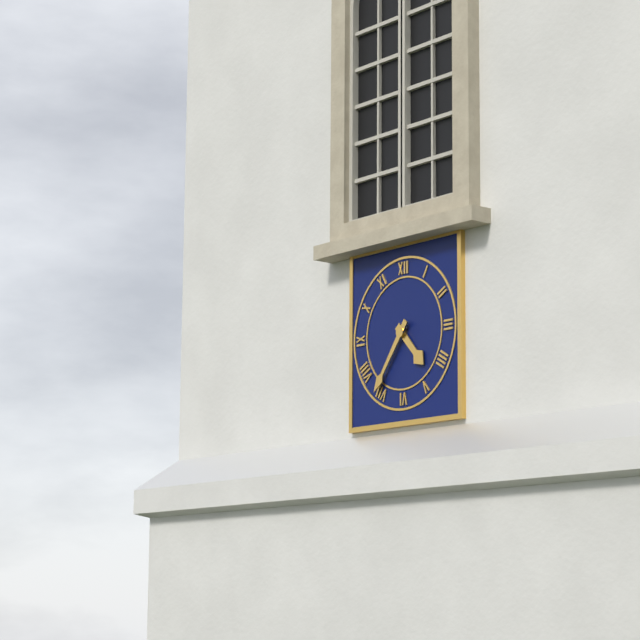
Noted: **4:36**
